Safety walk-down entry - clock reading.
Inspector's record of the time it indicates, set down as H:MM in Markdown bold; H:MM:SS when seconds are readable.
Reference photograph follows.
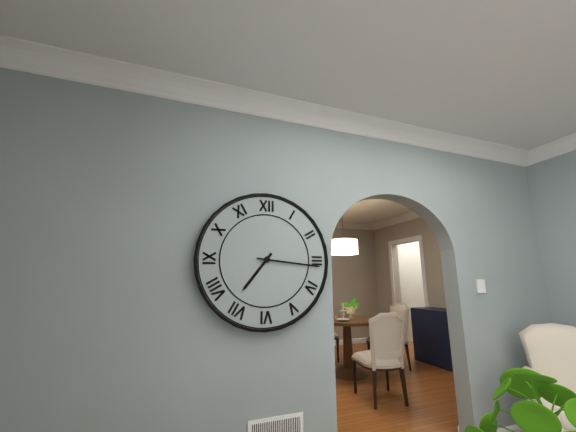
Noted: **7:16**
